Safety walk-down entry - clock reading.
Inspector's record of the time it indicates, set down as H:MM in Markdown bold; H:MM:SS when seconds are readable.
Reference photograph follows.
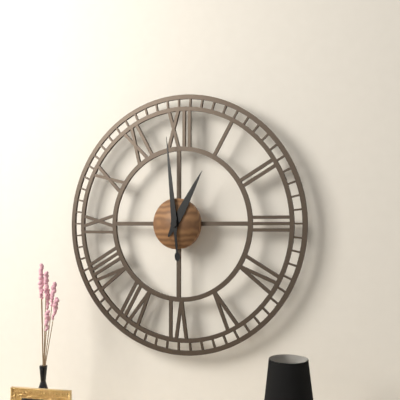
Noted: **12:59**
